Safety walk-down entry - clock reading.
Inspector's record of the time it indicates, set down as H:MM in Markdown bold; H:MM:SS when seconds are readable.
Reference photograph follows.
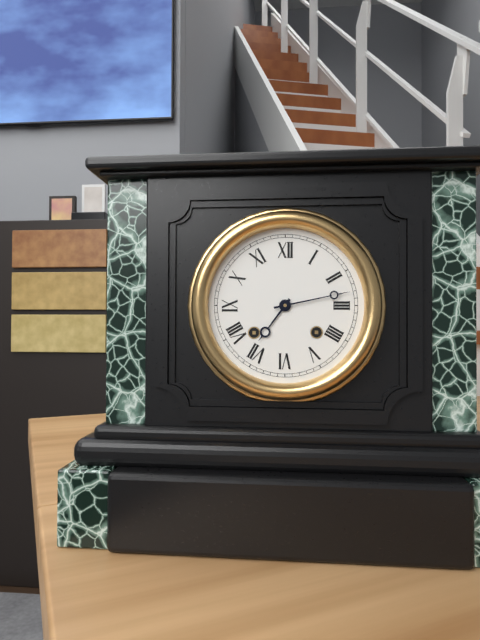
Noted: **7:13**
